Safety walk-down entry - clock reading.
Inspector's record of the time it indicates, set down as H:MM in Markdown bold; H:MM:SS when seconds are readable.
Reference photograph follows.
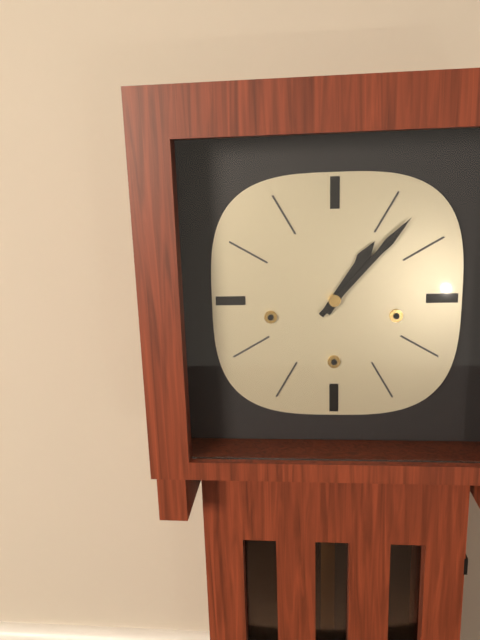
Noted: **1:07**
